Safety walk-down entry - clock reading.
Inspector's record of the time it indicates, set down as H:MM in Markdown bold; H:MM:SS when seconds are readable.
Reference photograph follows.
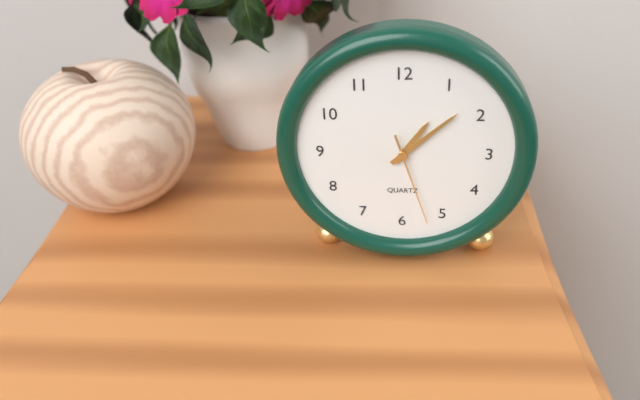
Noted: **1:08:27**
